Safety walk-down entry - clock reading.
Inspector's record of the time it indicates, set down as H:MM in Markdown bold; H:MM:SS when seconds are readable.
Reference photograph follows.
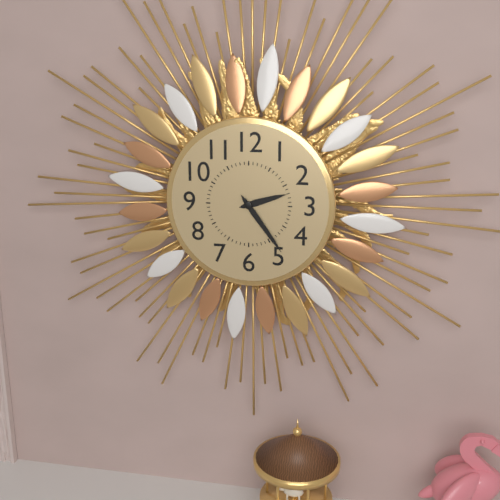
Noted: **2:24**
